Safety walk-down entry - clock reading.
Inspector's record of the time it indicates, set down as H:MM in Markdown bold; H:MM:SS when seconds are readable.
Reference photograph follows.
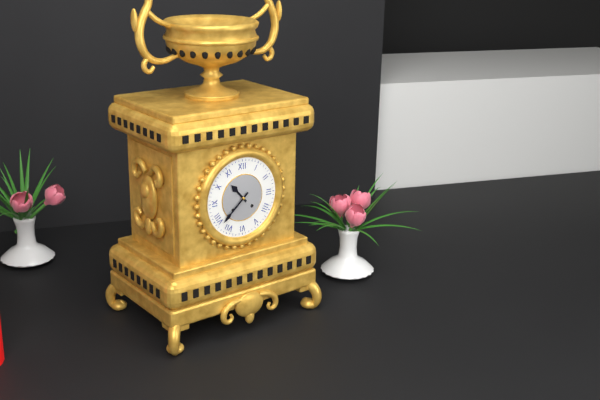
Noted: **10:38**
